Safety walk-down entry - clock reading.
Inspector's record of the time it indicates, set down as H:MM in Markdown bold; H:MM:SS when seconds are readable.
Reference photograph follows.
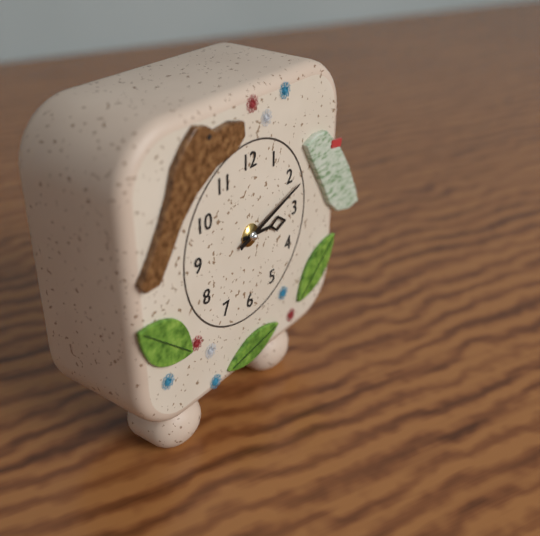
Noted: **3:12**
